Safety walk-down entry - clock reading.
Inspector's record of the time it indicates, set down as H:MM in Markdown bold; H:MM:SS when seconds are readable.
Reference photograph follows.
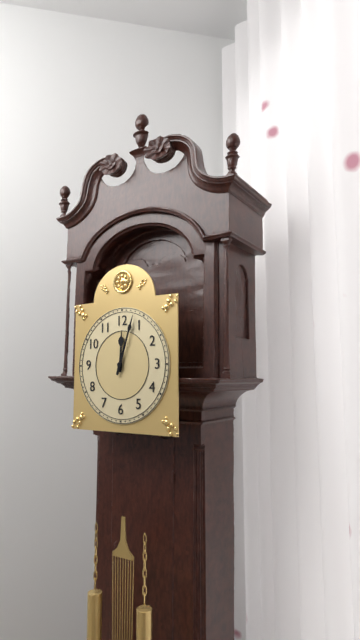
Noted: **12:03**
